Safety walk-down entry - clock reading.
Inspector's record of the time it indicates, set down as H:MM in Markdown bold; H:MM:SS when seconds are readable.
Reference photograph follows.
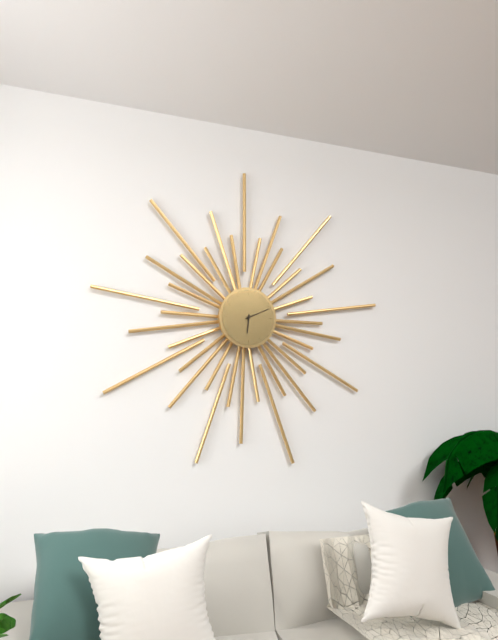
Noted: **6:11**
